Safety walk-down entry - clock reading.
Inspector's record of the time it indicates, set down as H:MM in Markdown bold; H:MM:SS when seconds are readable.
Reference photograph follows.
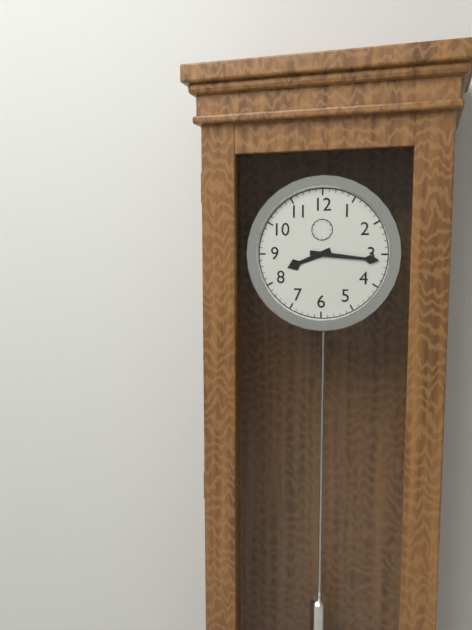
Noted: **8:16**
